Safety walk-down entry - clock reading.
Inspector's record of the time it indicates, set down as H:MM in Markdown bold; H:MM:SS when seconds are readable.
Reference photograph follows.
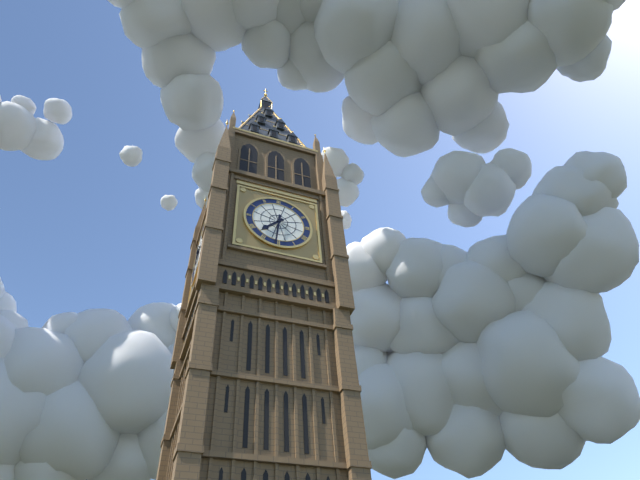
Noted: **7:31**
